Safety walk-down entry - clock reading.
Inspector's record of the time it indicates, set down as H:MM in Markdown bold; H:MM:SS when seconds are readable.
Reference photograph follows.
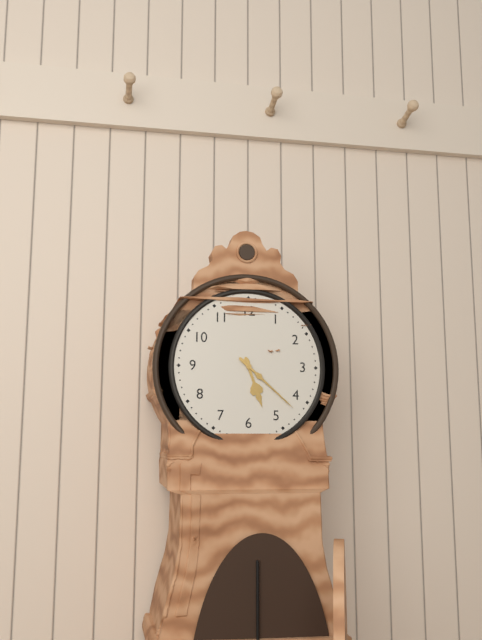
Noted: **5:22**
